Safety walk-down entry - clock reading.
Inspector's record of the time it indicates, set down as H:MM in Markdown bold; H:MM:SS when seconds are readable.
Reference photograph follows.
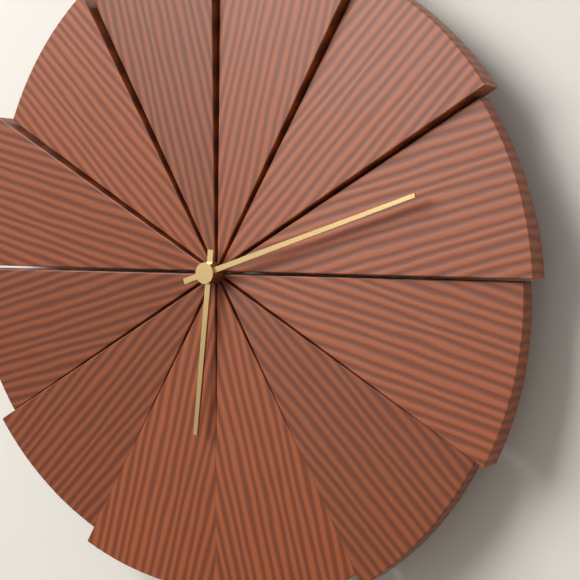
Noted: **6:12**
